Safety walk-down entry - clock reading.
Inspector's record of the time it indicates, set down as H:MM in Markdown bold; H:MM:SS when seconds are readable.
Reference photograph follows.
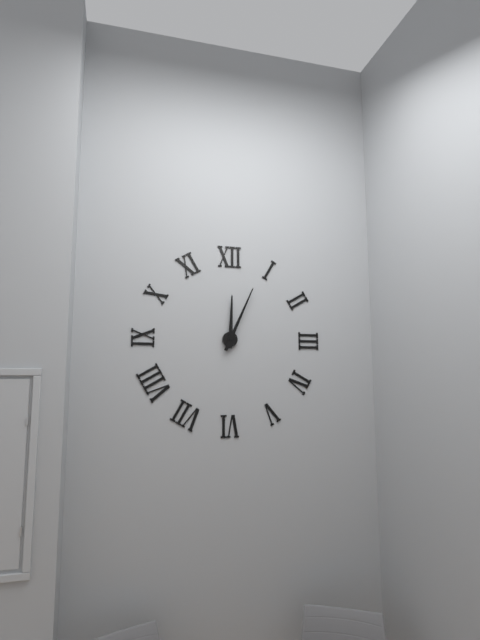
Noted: **12:04**
